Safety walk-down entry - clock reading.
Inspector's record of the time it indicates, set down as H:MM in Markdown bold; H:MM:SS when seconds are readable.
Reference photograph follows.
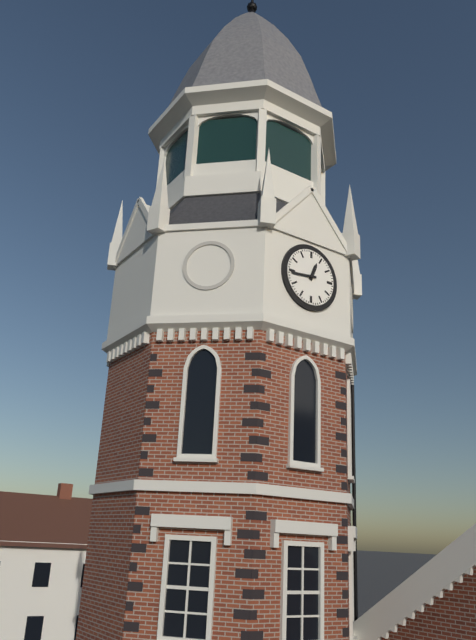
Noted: **12:44**
